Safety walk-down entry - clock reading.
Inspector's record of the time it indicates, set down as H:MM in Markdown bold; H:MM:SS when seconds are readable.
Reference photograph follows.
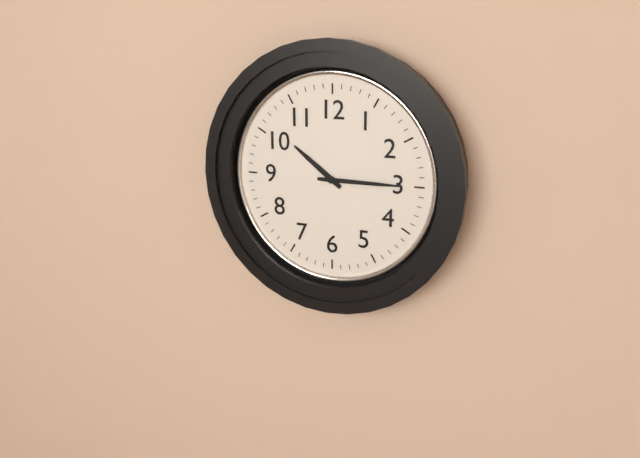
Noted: **10:15**
